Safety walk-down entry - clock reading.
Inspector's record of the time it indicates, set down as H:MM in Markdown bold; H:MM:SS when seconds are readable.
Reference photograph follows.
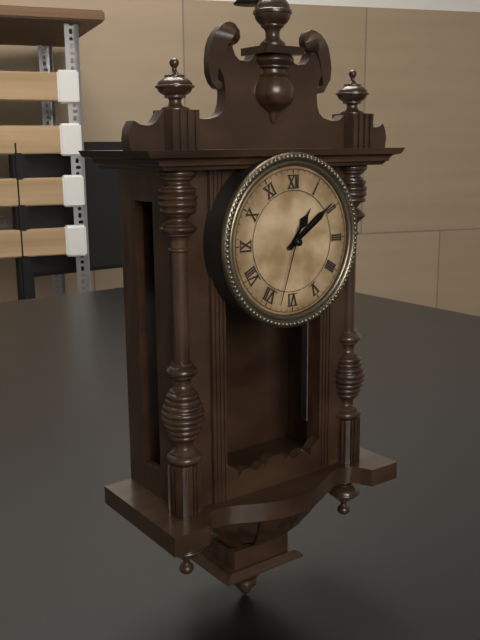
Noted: **1:09:33**
